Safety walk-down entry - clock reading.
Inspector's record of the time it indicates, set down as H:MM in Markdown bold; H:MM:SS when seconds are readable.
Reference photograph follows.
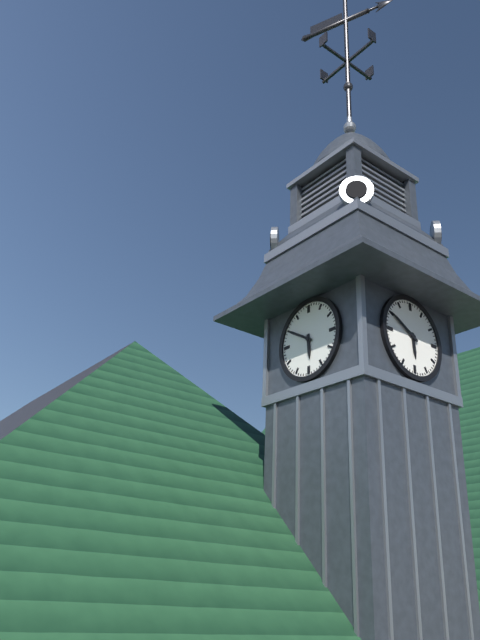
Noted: **5:50**
